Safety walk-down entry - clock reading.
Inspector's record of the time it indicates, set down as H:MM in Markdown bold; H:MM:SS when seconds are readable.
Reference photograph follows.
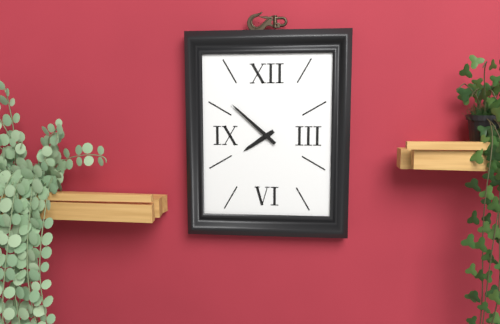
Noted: **7:52**
